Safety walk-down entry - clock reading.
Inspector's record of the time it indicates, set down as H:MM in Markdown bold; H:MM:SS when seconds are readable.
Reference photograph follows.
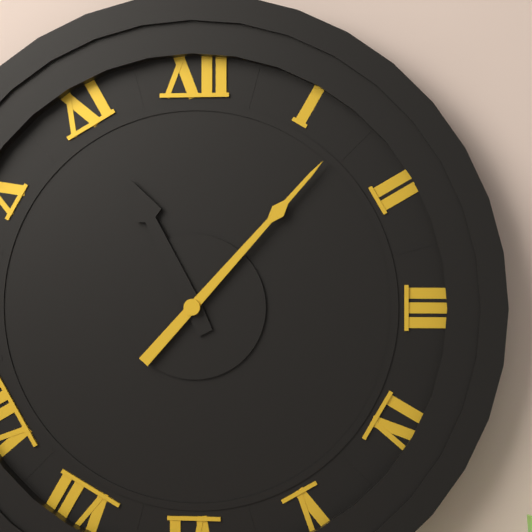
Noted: **11:07**
